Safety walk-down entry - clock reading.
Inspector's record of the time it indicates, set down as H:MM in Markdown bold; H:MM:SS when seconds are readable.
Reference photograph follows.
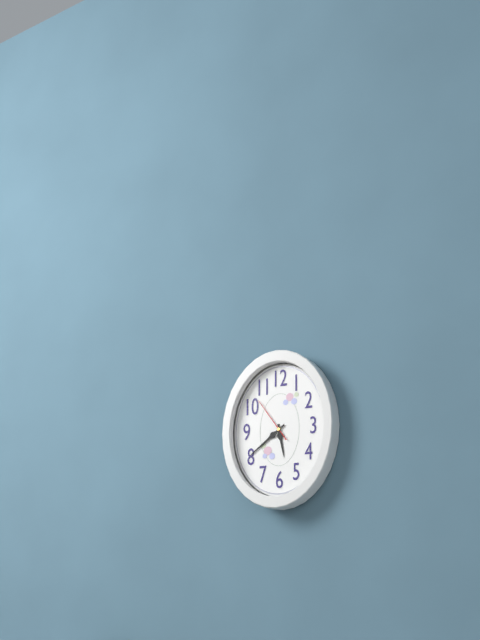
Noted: **5:39**
